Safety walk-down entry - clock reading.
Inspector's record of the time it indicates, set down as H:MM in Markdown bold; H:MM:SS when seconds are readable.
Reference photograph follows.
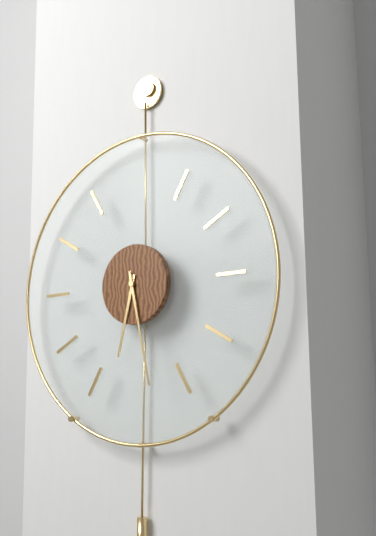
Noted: **6:28**
